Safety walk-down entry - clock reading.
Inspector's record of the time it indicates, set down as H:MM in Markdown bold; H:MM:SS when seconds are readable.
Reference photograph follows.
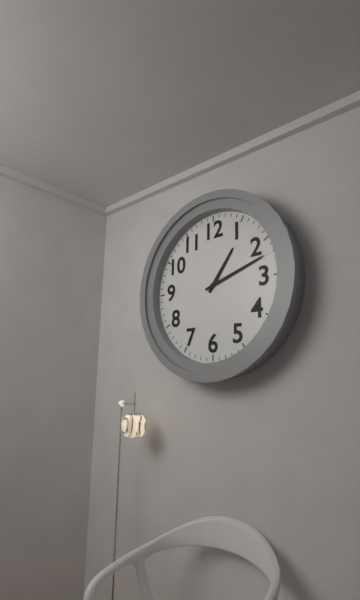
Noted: **1:12**
